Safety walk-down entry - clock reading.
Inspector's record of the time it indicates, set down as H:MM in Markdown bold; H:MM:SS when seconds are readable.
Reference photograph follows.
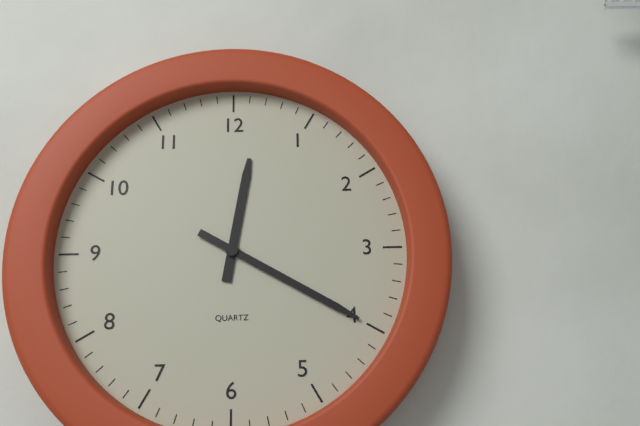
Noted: **12:20**
